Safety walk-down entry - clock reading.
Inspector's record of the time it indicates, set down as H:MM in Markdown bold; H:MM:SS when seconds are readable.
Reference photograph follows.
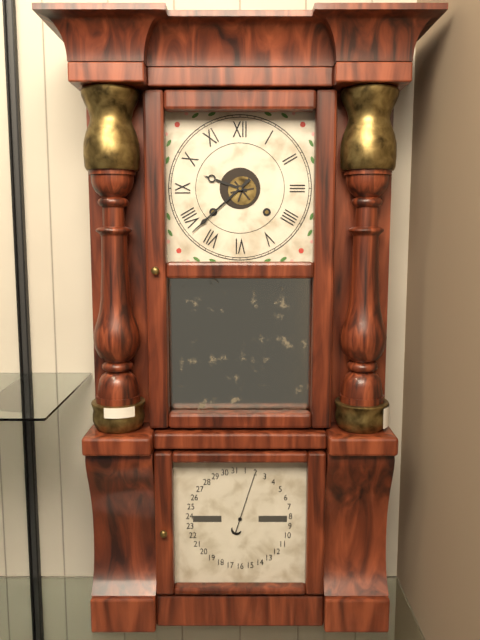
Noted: **9:38**
